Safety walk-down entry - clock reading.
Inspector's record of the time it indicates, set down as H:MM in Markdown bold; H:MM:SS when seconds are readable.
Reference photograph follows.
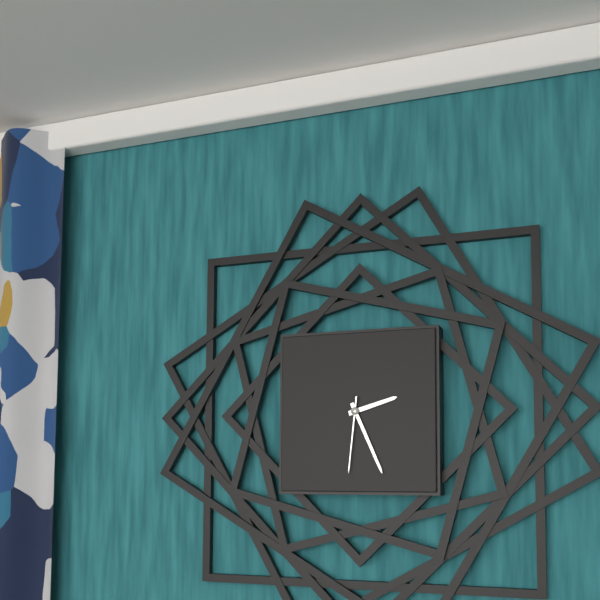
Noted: **2:26:31**
